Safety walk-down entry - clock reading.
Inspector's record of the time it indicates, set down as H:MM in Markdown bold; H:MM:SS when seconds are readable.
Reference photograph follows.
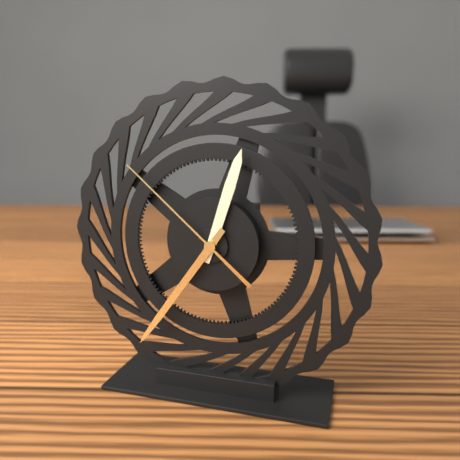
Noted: **12:36:52**
